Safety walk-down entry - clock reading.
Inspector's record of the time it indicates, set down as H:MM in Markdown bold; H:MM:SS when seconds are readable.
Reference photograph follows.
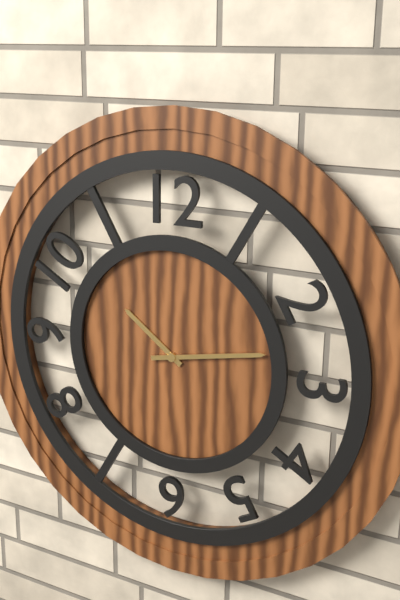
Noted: **10:13**
